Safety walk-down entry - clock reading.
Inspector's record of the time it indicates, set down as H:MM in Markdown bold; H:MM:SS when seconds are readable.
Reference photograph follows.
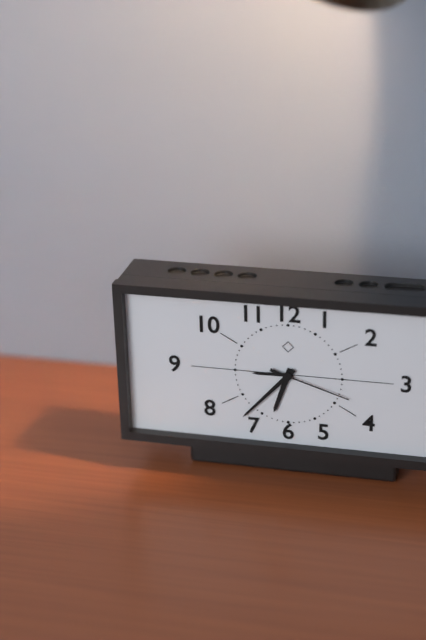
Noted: **6:37:18**
